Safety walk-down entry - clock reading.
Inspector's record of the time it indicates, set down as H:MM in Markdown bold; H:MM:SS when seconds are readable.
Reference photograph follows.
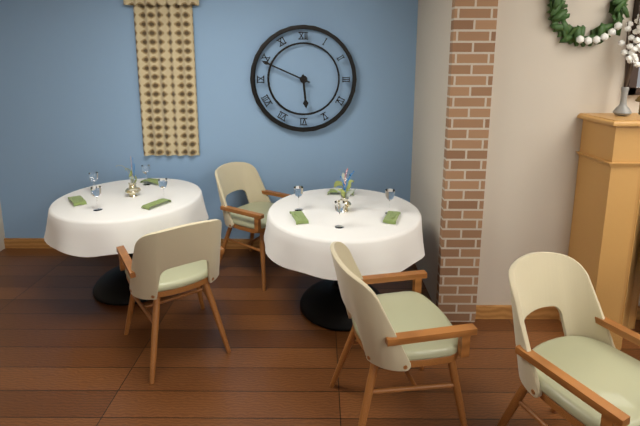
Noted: **5:49**
